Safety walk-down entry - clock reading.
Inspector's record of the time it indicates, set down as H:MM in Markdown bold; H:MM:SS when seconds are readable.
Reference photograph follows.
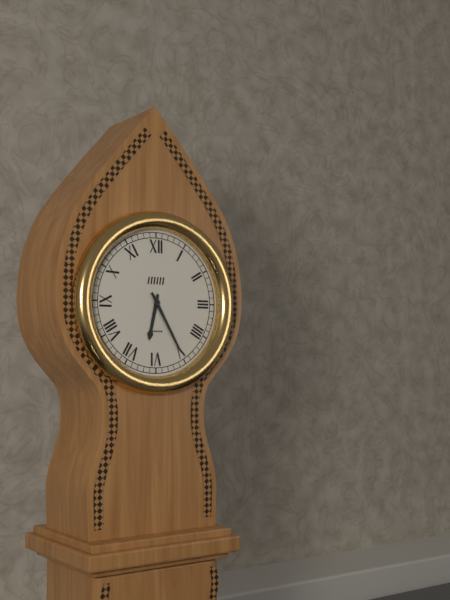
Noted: **6:25**
